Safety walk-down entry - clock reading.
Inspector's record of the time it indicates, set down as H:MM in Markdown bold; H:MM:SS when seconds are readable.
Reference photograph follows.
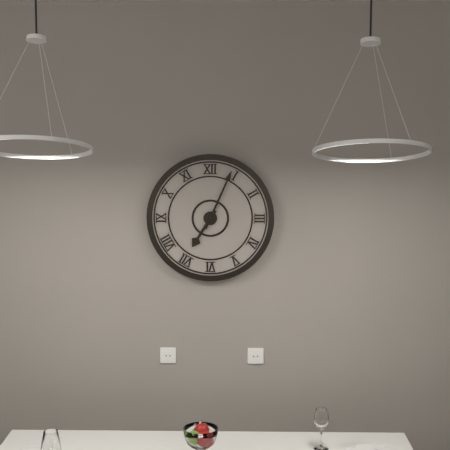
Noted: **7:04**
